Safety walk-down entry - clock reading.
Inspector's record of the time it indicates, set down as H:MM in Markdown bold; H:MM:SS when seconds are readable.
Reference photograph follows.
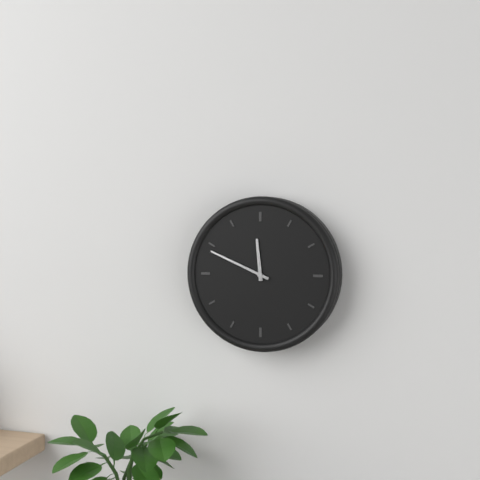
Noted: **11:49**
